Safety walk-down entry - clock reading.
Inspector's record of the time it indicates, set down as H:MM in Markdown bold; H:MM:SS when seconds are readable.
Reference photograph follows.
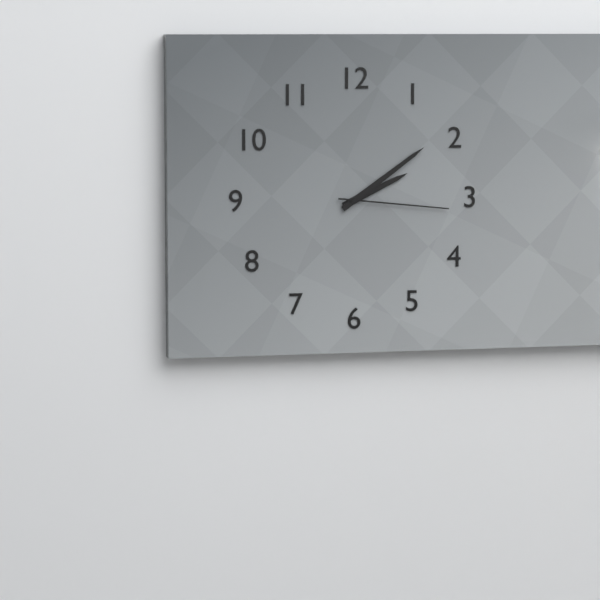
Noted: **2:09:16**
